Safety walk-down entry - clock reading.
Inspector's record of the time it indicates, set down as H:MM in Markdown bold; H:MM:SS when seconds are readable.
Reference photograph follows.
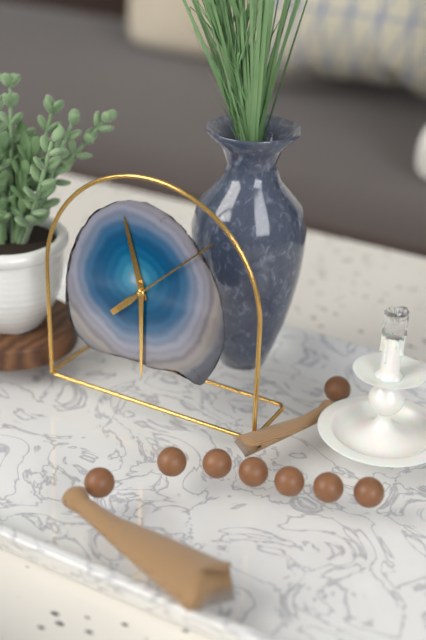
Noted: **11:30:08**
